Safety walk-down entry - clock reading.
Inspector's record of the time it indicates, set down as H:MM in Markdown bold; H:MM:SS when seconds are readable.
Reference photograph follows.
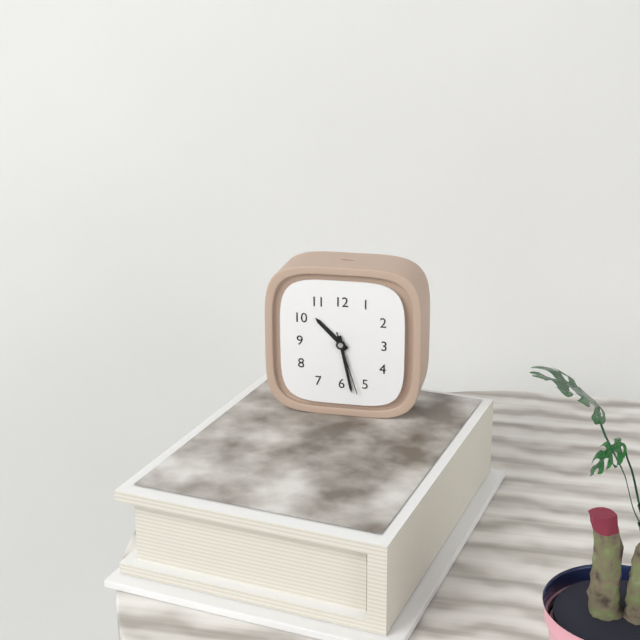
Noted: **10:28:27**
